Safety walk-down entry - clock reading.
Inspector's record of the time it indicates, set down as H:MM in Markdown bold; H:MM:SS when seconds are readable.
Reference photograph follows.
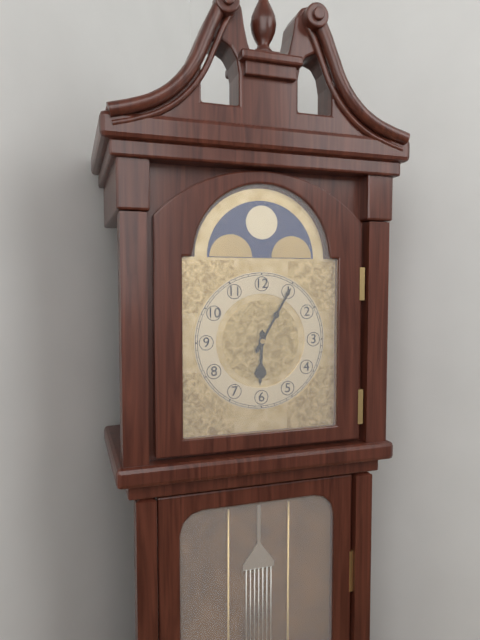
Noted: **6:05**
